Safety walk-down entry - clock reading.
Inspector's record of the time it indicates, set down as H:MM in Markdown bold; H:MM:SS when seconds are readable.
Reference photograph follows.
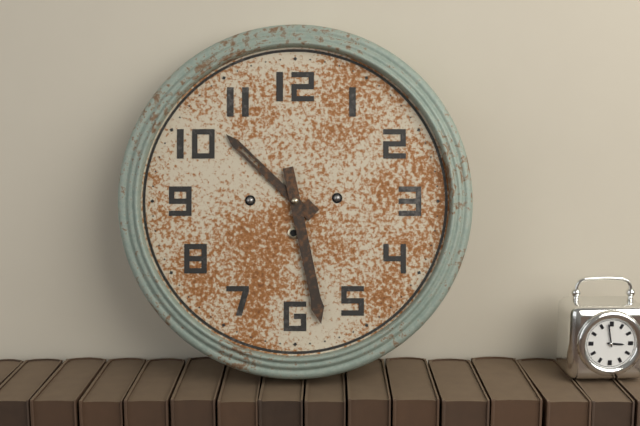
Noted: **10:28**
